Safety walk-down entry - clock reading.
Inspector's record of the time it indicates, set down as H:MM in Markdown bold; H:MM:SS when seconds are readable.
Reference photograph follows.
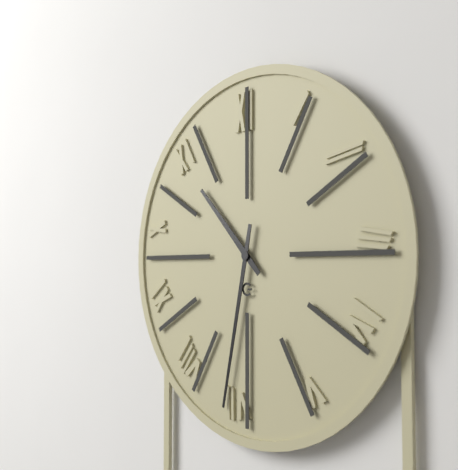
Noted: **10:32**
